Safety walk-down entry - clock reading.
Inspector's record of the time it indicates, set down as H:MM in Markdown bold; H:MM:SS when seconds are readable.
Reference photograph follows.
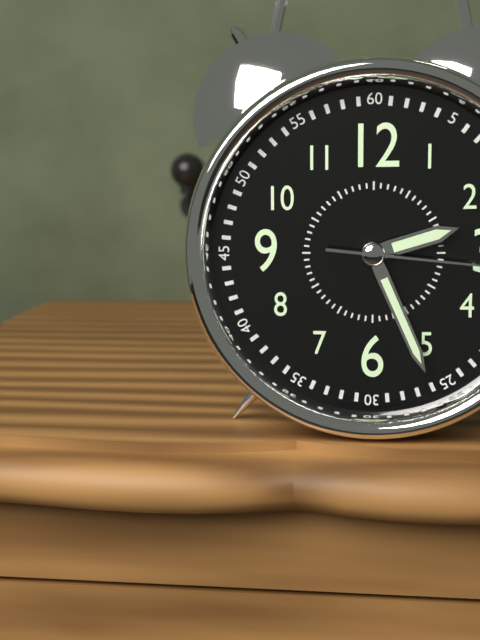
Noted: **2:26**
